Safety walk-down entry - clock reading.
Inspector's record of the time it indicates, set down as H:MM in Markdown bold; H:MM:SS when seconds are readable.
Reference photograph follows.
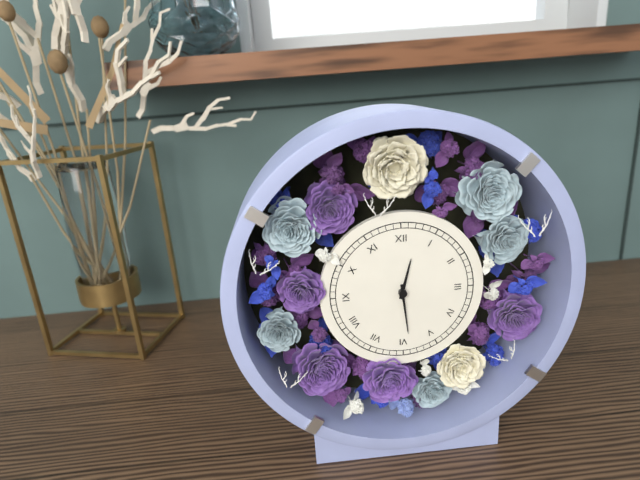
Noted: **12:29**
